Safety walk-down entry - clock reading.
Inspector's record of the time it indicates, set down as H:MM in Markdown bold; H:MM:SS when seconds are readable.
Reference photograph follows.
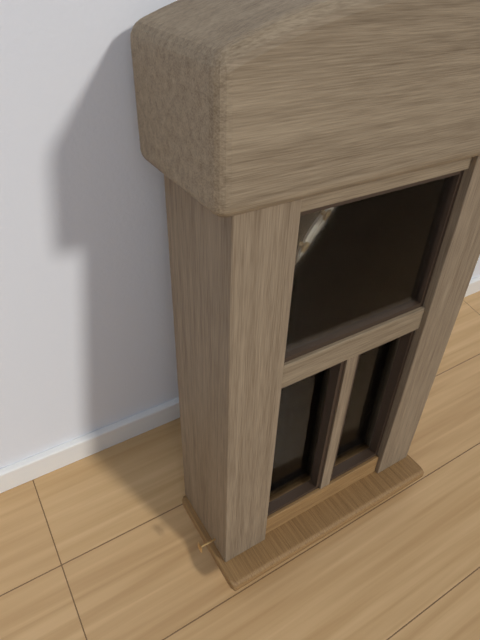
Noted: **1:12**
